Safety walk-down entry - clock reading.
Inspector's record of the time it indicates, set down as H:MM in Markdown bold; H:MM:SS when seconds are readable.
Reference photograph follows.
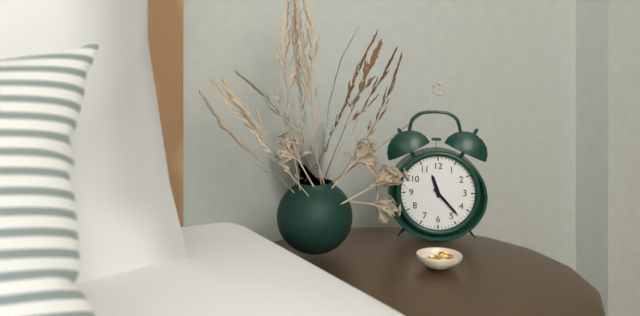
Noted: **11:23**
